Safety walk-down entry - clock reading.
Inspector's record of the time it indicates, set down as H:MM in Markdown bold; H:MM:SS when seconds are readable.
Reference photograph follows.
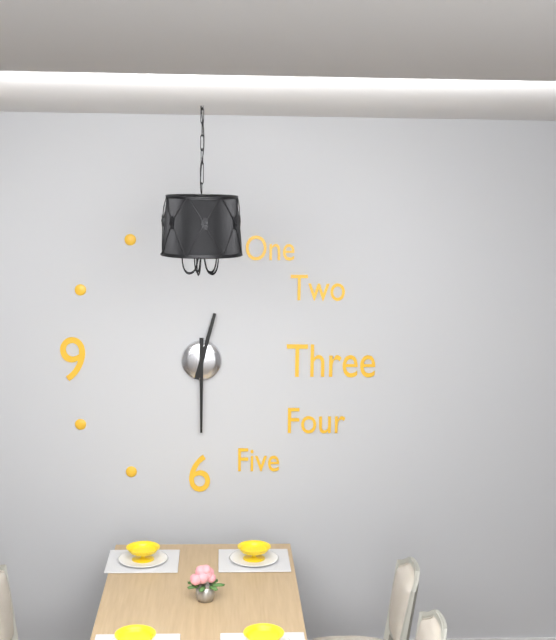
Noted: **12:30**
